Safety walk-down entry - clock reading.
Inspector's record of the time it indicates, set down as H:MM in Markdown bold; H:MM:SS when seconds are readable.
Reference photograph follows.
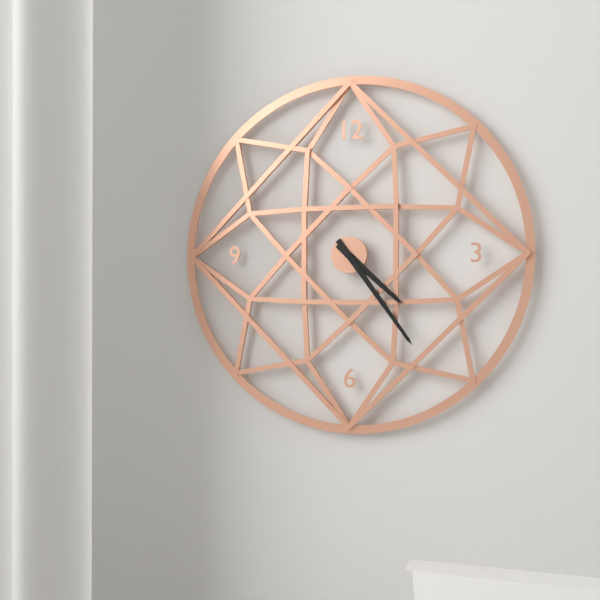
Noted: **4:24**
